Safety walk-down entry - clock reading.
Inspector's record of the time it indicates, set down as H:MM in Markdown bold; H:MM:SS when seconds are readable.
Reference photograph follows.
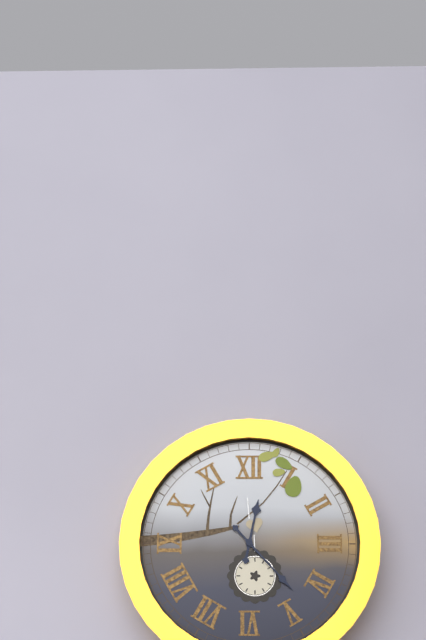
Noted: **12:23**
